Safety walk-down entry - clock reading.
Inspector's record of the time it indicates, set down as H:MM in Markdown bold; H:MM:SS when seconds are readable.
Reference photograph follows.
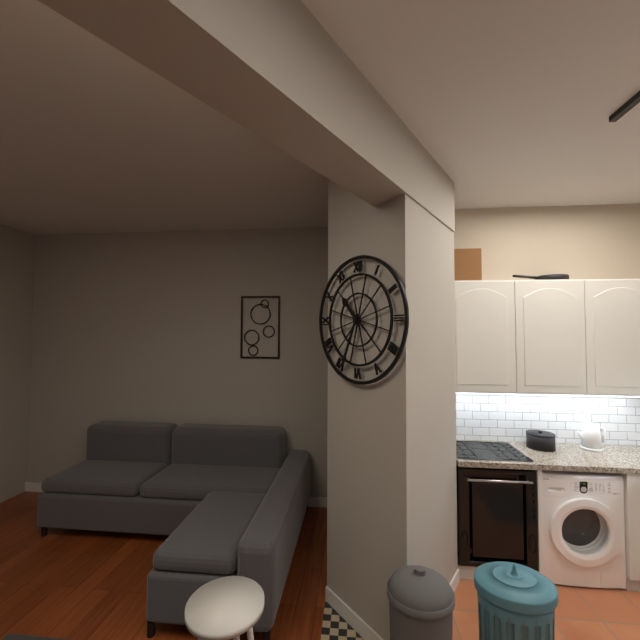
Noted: **10:34**
